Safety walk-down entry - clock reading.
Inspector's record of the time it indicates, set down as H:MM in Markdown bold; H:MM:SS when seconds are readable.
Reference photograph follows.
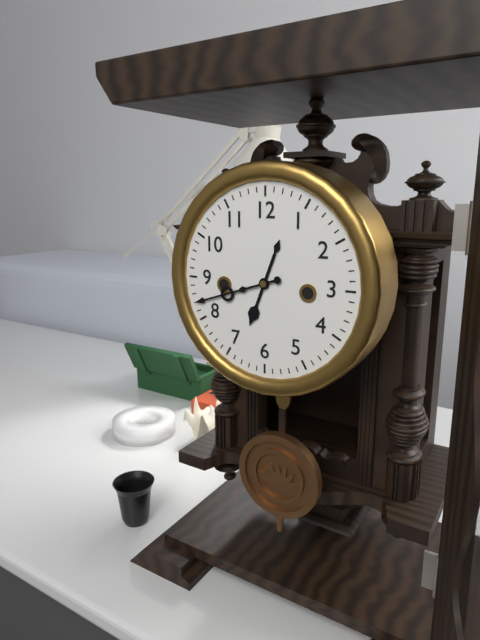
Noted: **6:42**
